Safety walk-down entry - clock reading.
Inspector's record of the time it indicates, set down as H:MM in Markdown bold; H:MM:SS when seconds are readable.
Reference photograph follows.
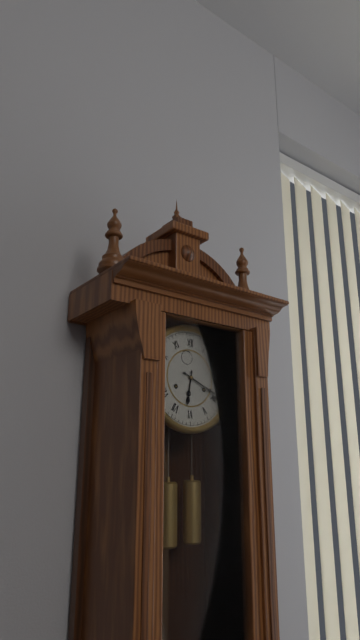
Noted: **6:19**
